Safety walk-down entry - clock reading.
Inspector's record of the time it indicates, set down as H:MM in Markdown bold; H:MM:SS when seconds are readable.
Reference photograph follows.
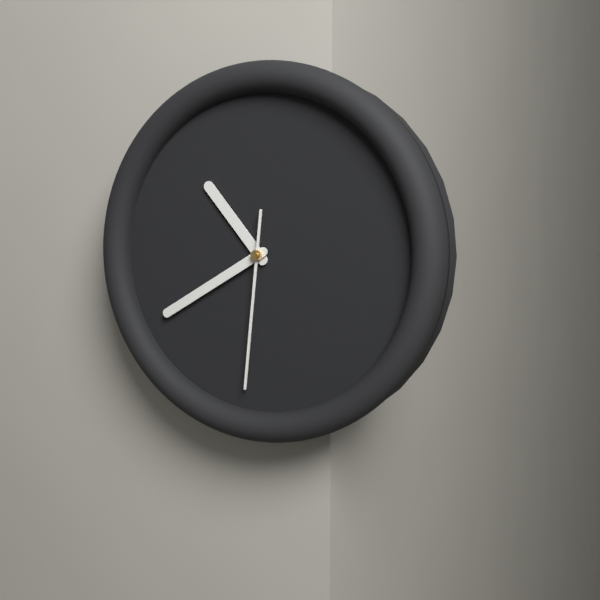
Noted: **10:40:31**
